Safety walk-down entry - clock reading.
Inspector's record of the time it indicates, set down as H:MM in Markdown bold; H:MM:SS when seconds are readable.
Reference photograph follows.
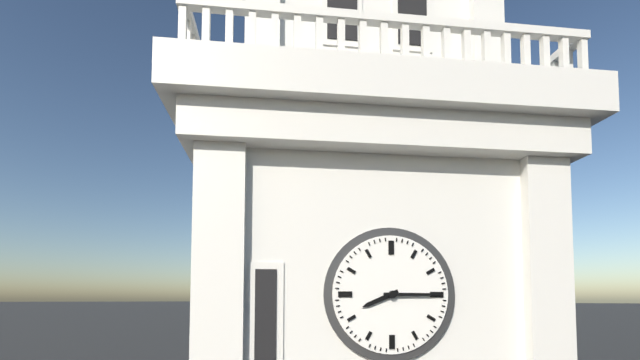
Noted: **8:15**
